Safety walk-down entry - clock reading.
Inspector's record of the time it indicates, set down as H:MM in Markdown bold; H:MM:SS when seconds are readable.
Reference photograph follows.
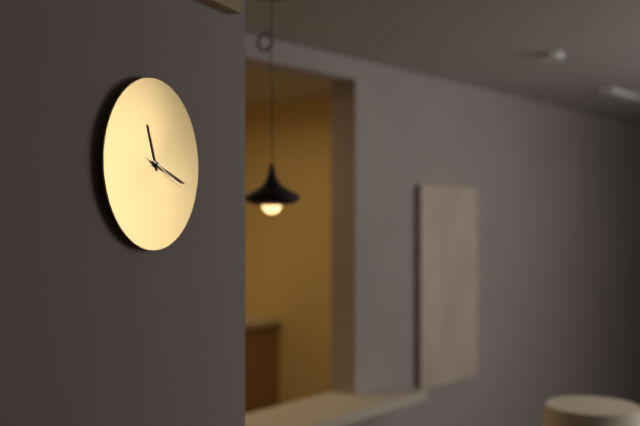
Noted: **11:18:19**
